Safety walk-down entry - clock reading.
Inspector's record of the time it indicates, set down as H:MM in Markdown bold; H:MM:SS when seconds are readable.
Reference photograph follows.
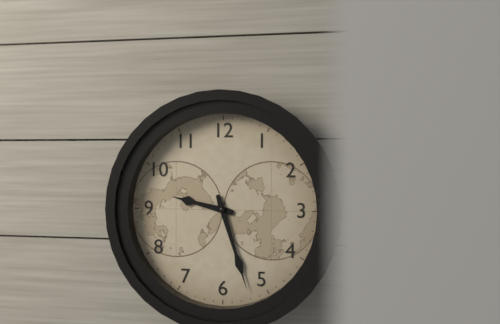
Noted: **9:27**
